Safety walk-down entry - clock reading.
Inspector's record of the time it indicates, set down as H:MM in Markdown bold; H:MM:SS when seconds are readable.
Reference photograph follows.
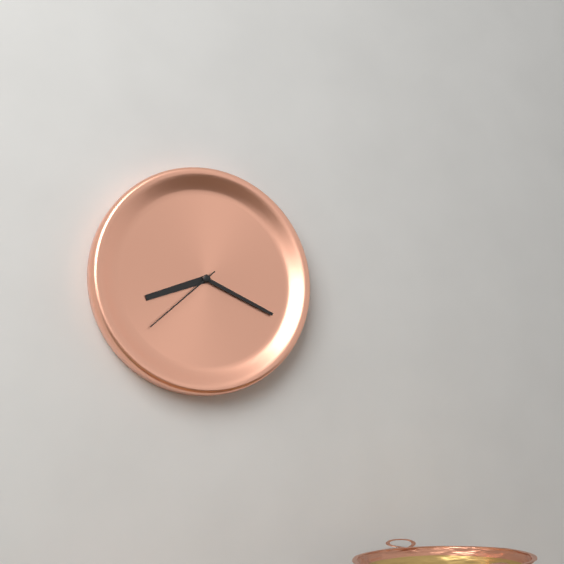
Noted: **8:19:38**
